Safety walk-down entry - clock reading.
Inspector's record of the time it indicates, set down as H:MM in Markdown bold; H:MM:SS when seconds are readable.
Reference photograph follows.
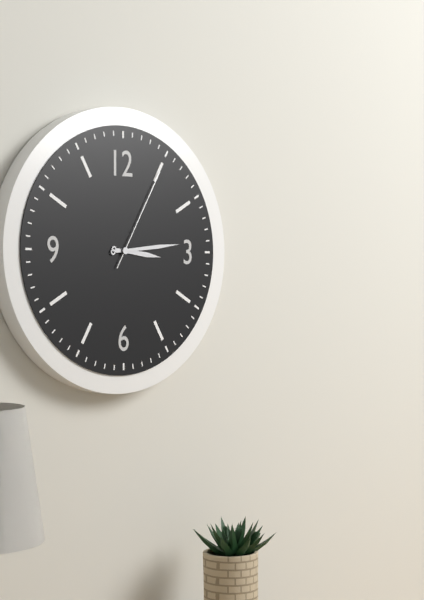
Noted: **3:14:05**
